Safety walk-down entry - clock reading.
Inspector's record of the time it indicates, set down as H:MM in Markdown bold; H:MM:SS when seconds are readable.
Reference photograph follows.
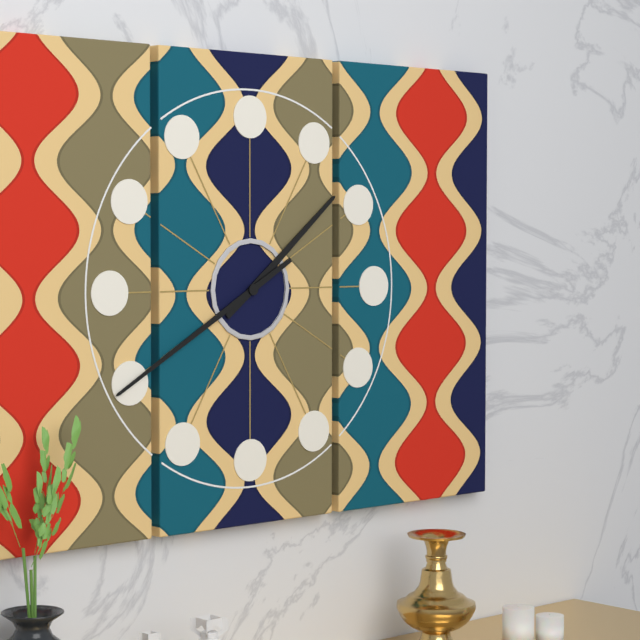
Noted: **1:40**
